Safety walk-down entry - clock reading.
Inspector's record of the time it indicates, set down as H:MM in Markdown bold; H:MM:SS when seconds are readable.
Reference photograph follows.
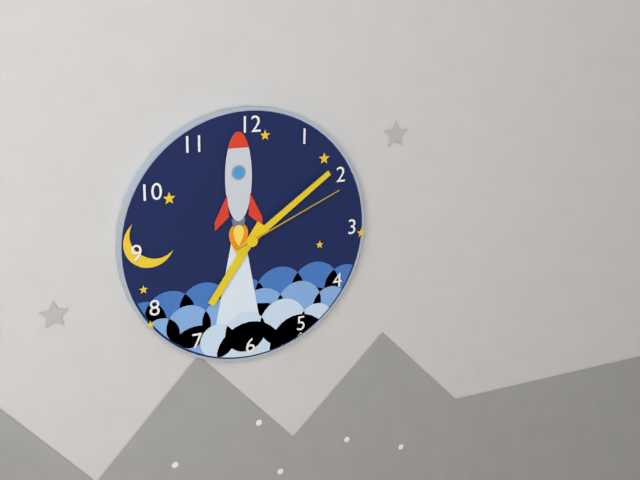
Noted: **7:09:11**
